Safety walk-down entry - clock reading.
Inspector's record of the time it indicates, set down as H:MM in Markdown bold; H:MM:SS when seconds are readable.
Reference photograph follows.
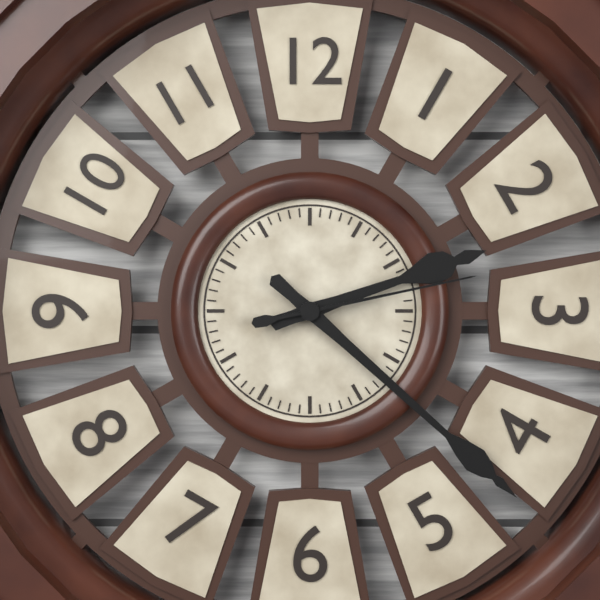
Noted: **2:22:13**
